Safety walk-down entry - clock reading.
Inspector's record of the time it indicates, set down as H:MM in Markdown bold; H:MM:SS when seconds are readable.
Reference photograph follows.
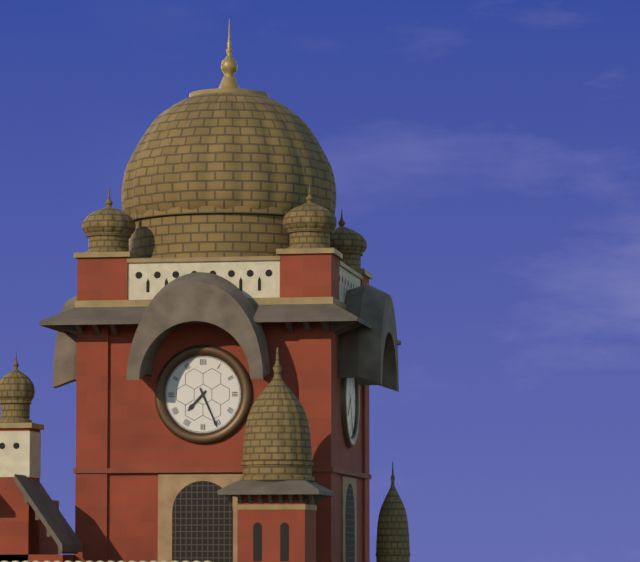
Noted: **7:26**
